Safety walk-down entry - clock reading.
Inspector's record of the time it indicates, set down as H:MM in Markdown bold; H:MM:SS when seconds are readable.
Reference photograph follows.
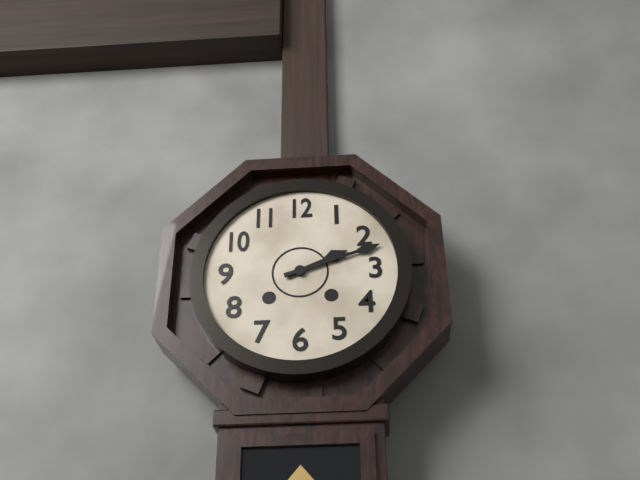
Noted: **2:12**
